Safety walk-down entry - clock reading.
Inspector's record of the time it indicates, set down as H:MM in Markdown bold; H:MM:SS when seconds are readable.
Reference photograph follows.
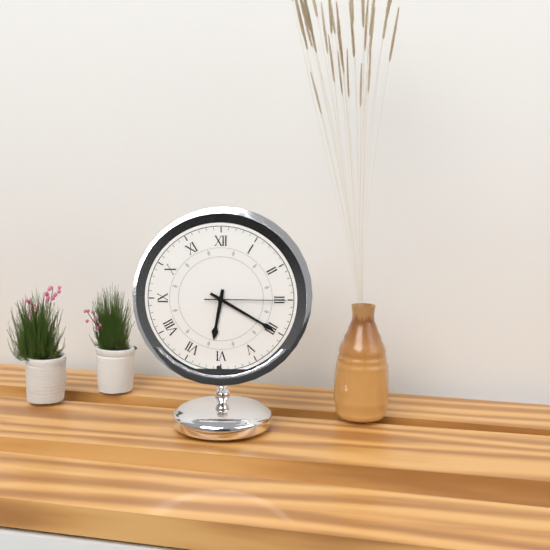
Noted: **6:20:15**
